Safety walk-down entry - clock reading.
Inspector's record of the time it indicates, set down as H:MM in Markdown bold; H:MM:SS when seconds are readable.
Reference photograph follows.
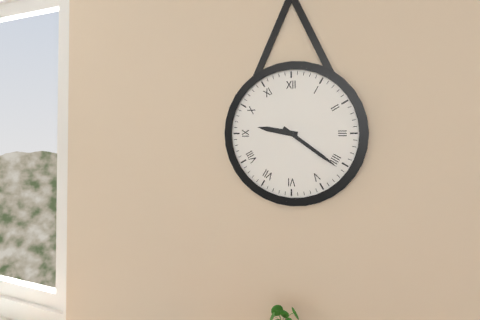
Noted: **9:21**
